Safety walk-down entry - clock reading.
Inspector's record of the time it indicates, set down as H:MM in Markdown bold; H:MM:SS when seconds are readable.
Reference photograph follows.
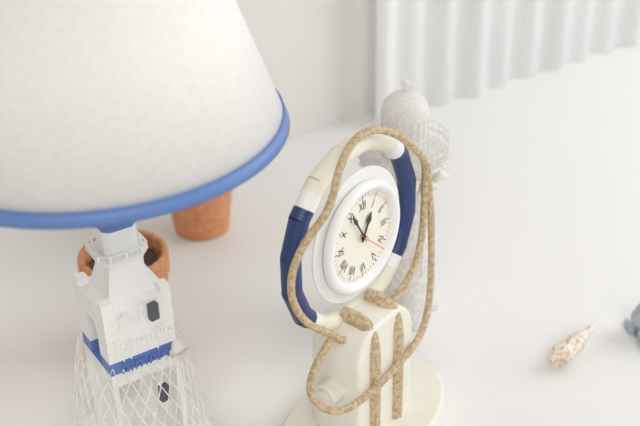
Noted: **12:55**
